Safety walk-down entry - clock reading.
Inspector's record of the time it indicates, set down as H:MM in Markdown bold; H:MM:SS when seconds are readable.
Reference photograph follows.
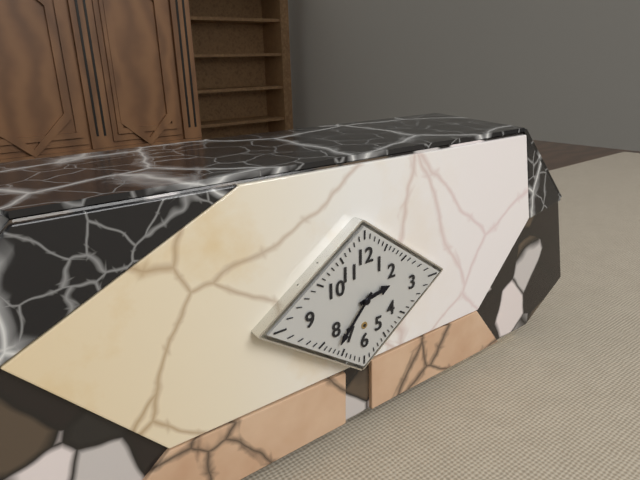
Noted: **2:37**
